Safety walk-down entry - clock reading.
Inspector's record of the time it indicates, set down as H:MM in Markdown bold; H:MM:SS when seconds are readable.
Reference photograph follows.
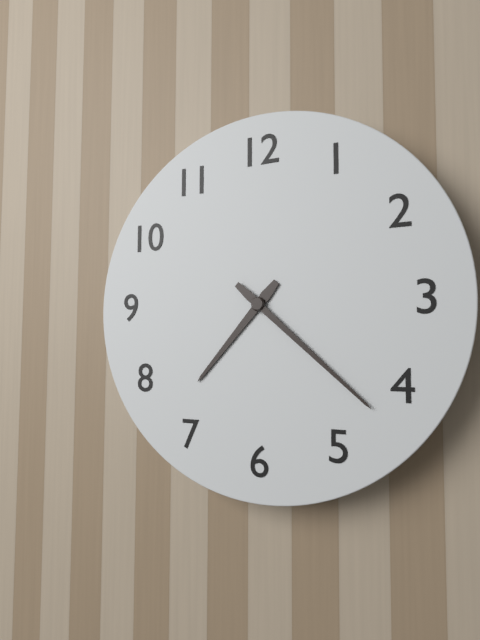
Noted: **7:22**
